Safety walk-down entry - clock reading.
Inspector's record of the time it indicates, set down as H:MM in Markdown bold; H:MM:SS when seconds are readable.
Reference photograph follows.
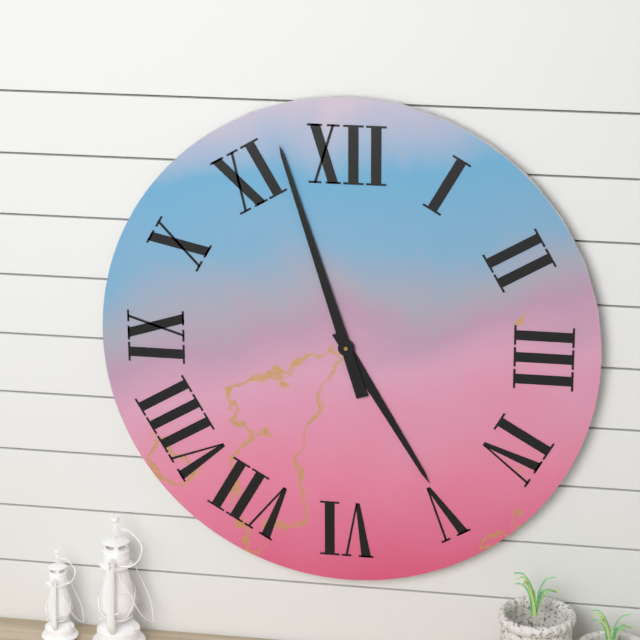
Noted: **4:57**
